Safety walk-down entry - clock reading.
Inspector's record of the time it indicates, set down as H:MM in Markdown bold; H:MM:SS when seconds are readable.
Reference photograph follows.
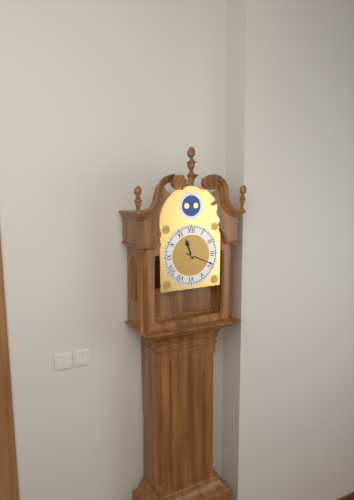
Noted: **11:19**
